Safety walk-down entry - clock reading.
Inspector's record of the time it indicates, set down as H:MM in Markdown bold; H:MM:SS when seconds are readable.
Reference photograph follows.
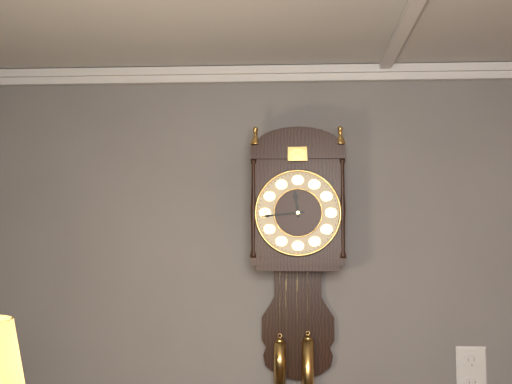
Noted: **11:44**
